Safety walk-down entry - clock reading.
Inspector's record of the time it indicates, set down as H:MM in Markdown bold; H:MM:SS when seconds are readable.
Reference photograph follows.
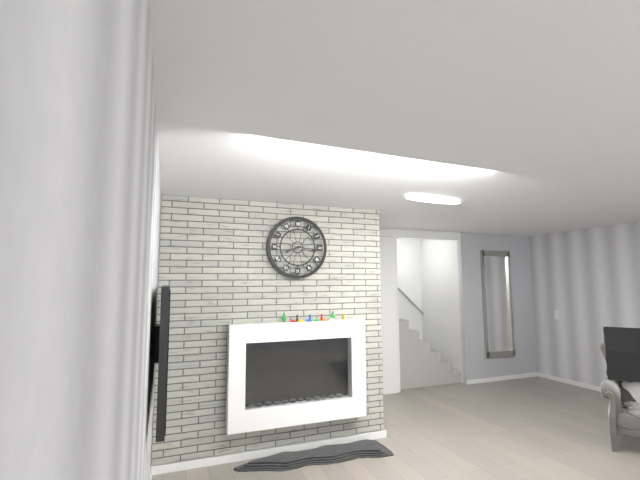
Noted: **8:16**
